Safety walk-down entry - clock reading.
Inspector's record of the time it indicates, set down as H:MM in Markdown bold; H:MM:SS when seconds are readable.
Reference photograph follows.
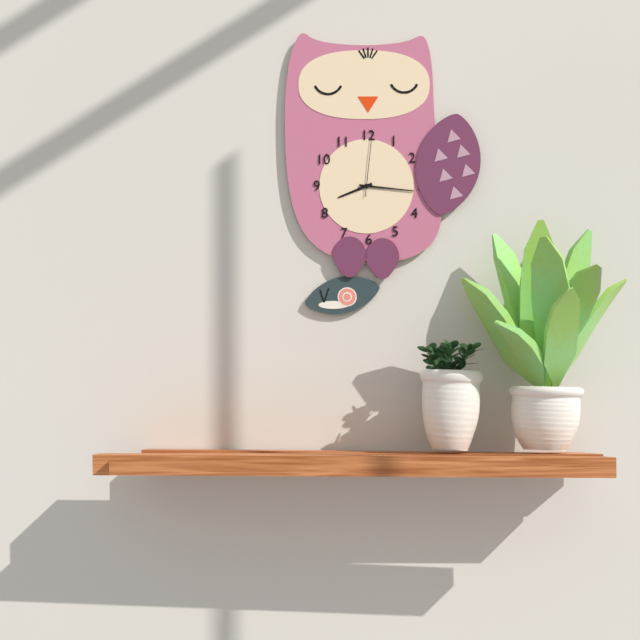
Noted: **8:16:01**
